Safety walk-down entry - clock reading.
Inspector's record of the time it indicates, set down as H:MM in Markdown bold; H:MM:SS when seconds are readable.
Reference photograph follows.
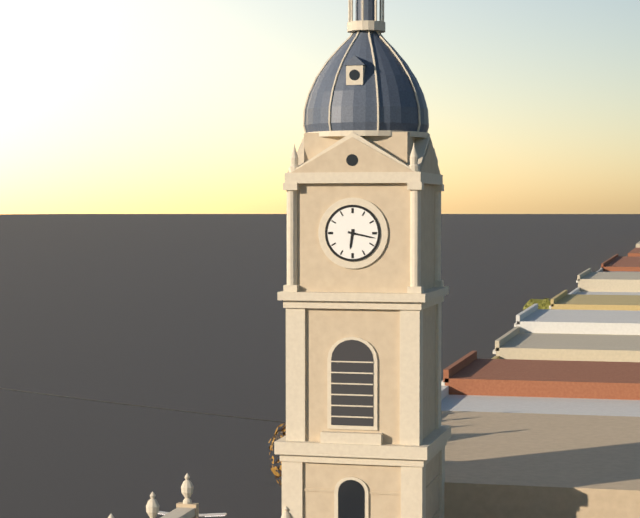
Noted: **6:17**
